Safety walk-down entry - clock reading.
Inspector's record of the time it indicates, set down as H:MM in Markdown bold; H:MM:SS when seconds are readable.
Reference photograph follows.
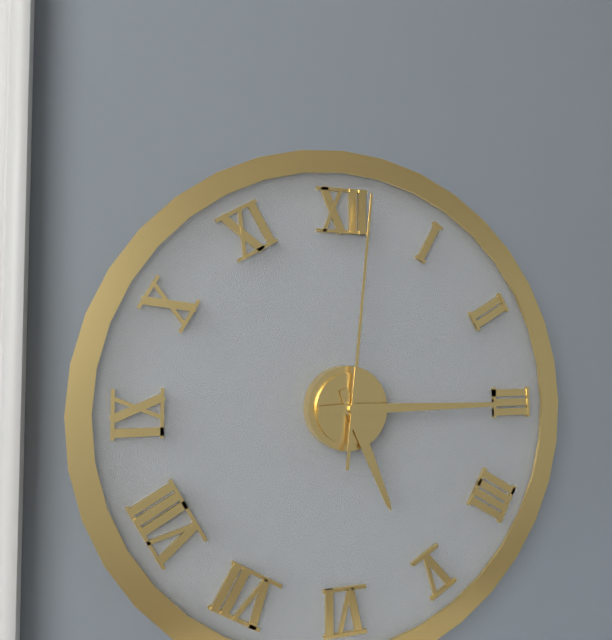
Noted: **5:15:01**
